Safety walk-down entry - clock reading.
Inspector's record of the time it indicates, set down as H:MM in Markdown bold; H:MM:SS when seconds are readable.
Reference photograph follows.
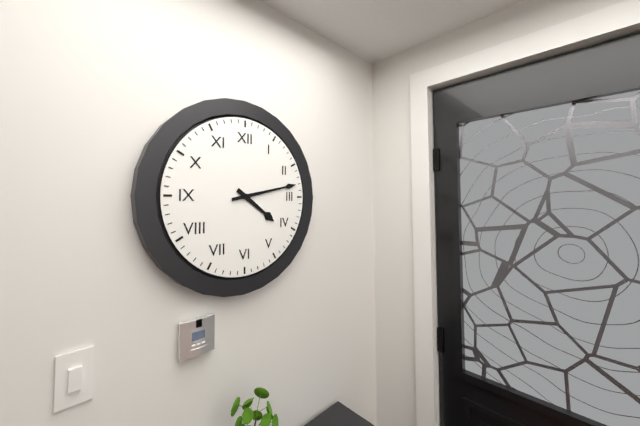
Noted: **4:13**
